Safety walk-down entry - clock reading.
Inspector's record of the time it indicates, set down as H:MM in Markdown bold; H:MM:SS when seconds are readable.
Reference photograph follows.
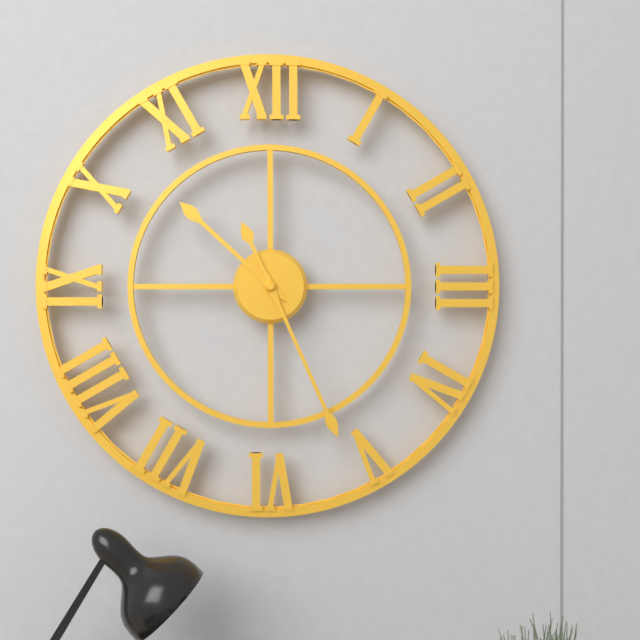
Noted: **10:26**
